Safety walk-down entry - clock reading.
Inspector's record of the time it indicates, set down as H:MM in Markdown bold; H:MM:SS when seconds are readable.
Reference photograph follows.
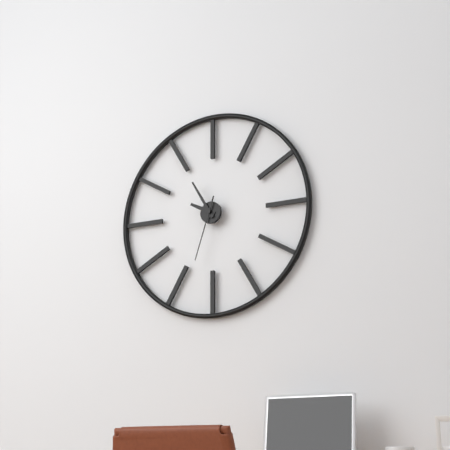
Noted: **9:55:33**
